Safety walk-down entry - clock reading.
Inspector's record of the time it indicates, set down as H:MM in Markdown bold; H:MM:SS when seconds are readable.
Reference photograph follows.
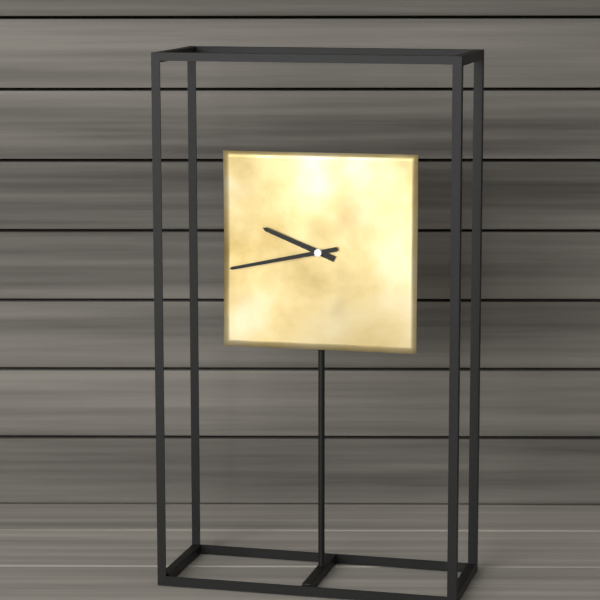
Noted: **9:43**
